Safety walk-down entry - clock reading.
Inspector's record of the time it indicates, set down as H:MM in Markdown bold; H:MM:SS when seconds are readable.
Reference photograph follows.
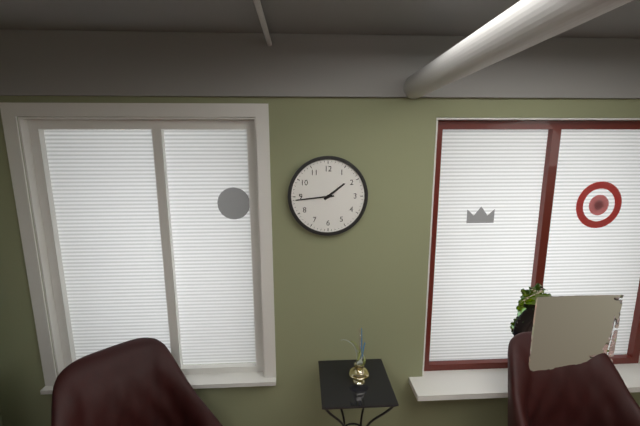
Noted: **1:44**
